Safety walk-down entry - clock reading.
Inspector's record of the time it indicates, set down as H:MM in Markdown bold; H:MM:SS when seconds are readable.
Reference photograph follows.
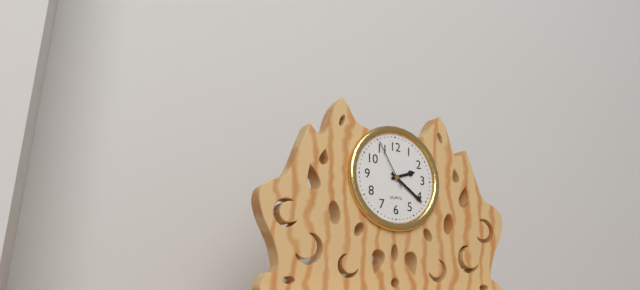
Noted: **2:21:55**
